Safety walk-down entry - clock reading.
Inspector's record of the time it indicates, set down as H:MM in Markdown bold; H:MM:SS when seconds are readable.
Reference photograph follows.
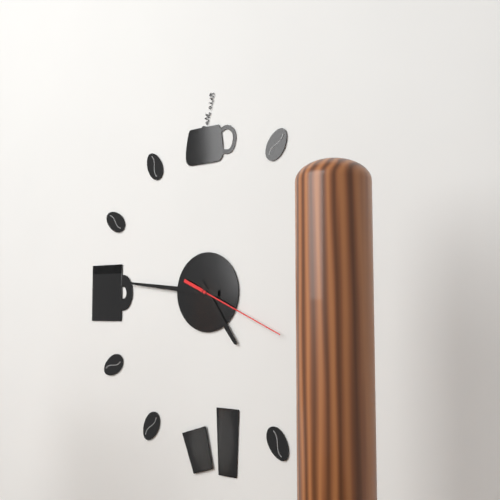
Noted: **4:46:19**
